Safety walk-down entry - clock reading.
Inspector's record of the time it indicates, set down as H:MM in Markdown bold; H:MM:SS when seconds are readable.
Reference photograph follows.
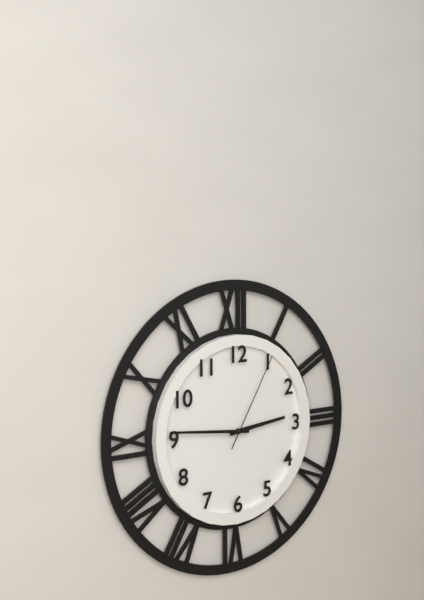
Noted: **2:46:05**
